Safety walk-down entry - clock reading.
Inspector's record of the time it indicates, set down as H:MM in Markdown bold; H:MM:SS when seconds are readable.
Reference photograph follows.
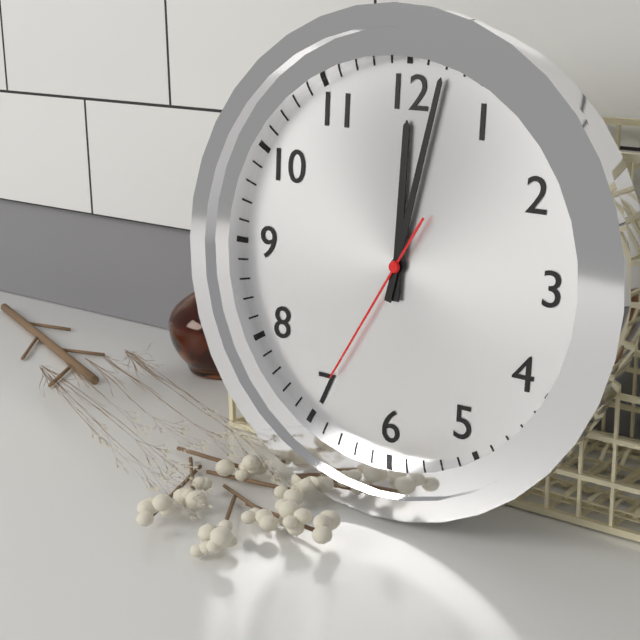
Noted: **12:02:35**
